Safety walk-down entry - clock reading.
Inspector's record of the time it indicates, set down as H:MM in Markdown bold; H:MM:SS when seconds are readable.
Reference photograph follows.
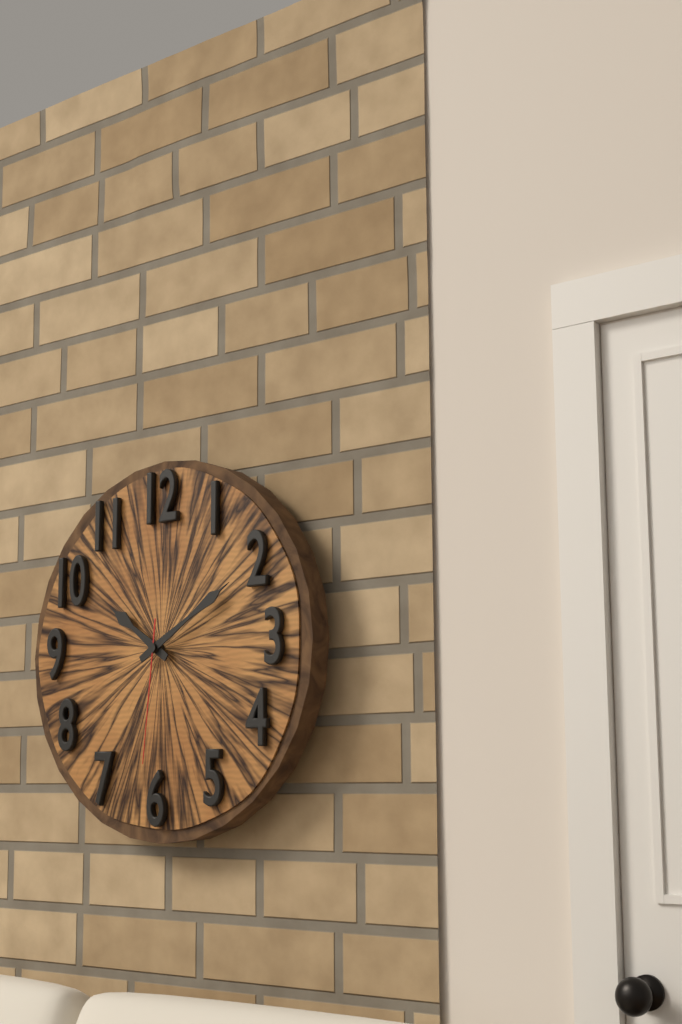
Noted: **10:10:31**
